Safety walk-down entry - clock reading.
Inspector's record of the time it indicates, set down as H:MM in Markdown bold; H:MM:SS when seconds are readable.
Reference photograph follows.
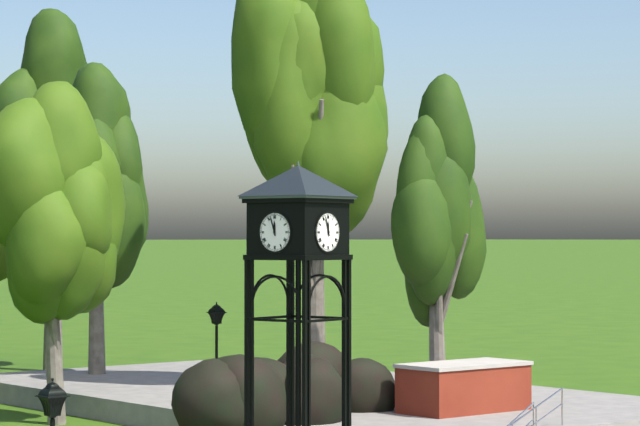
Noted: **11:57**
